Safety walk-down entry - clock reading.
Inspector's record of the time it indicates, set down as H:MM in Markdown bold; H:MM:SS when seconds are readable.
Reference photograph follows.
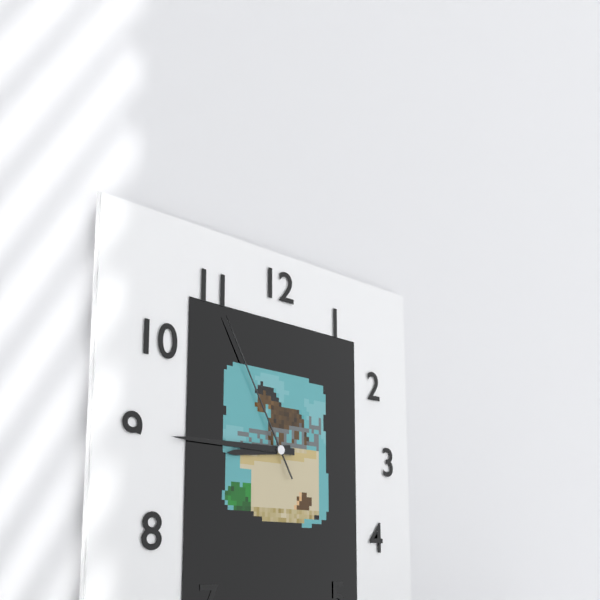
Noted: **8:45:55**
